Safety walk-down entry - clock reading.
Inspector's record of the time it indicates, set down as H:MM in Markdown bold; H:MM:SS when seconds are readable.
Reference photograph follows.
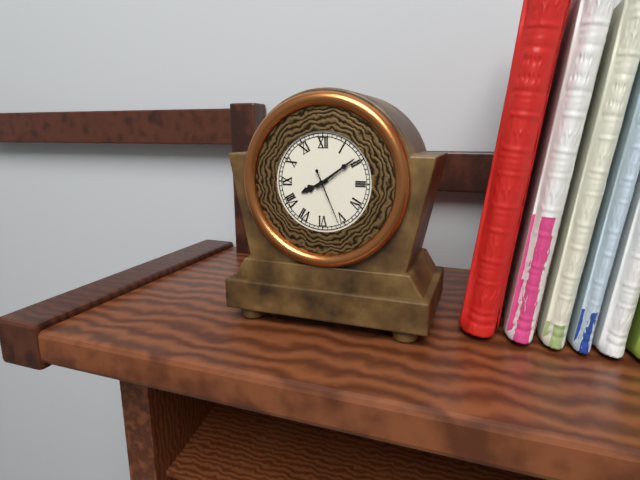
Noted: **8:09:26**
